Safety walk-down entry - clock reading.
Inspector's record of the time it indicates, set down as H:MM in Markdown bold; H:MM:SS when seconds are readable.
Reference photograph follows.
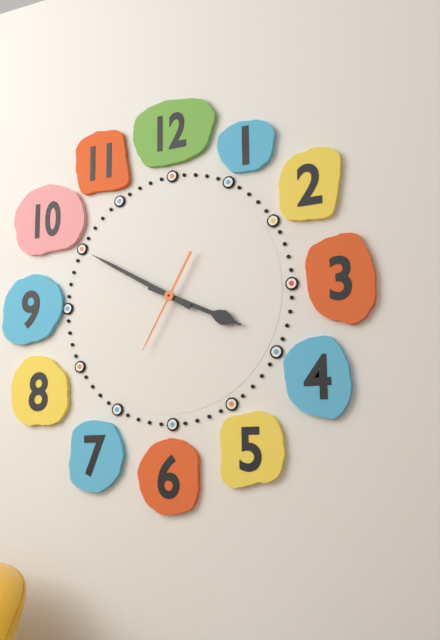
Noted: **3:50:35**
